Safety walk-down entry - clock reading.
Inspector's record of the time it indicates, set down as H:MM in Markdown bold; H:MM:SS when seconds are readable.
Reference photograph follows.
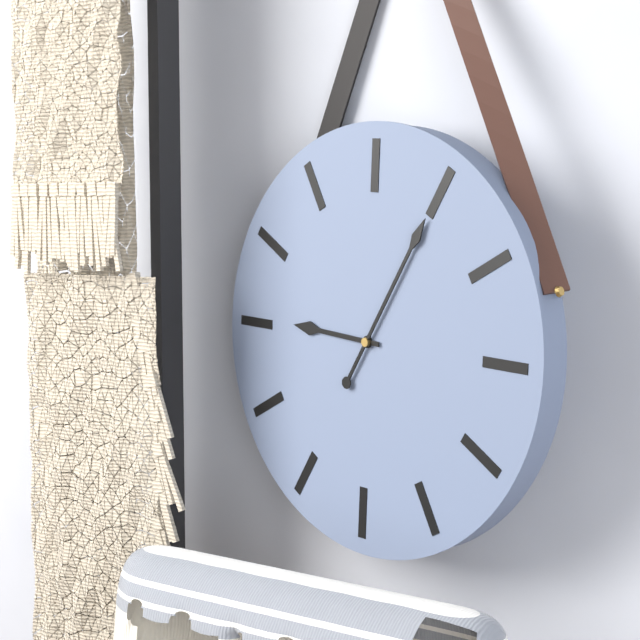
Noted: **9:05**
